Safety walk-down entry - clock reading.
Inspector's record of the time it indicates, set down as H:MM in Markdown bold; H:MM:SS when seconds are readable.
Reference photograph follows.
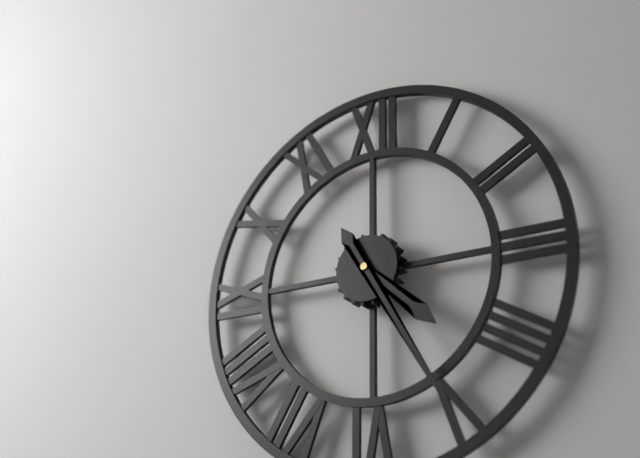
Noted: **4:25**
